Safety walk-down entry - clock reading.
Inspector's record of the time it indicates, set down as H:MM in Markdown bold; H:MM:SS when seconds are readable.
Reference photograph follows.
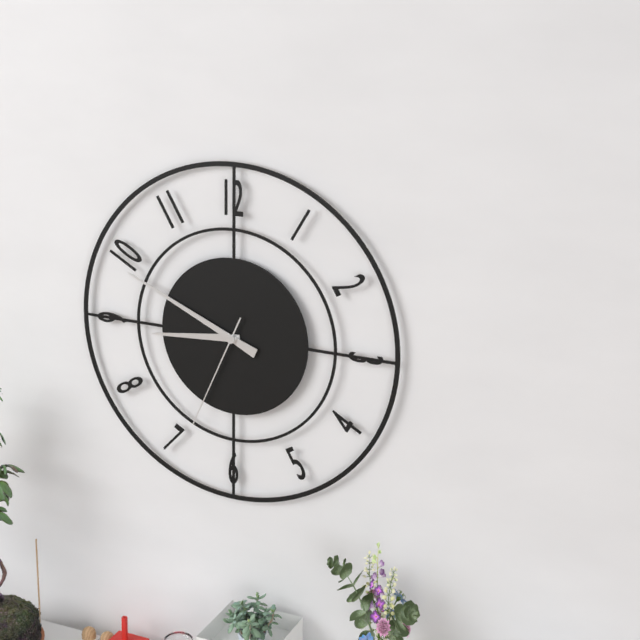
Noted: **8:49:34**
